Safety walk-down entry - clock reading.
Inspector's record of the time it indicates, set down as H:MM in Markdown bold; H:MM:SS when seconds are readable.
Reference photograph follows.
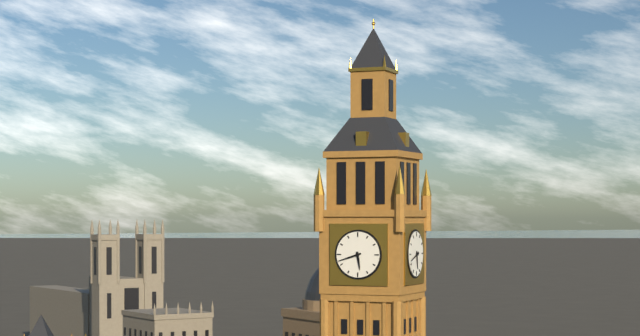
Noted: **5:42**
